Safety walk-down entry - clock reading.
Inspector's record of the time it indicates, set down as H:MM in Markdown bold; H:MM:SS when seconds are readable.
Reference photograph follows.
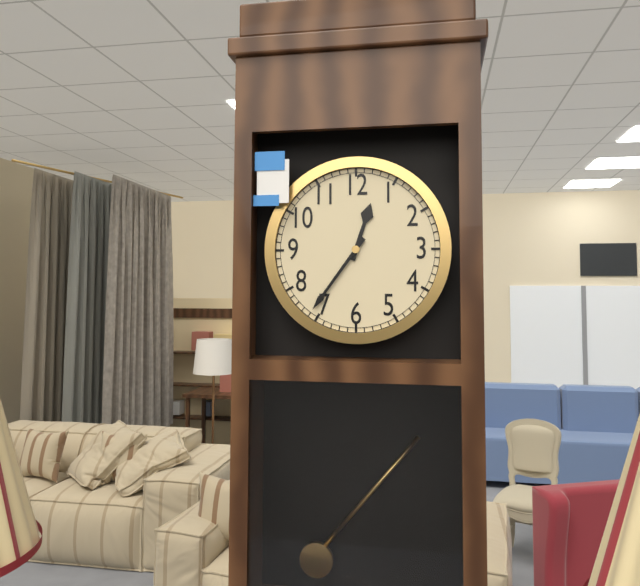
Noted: **12:36**
